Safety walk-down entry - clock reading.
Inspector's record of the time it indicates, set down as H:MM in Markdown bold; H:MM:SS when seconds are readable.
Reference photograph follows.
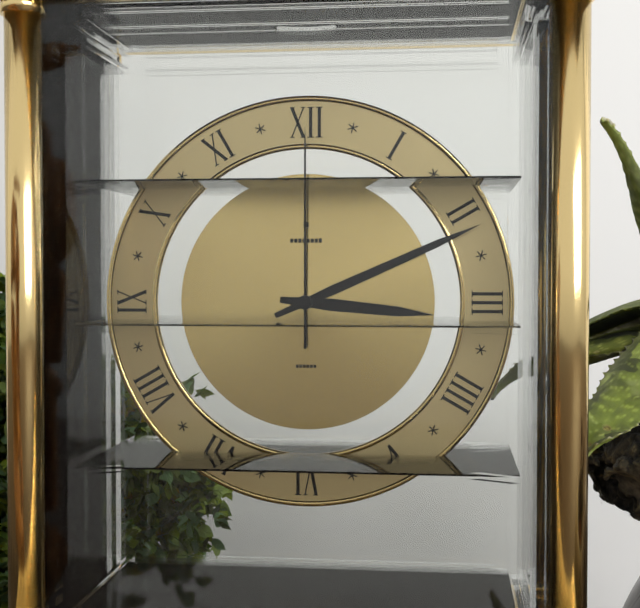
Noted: **3:11:00**
